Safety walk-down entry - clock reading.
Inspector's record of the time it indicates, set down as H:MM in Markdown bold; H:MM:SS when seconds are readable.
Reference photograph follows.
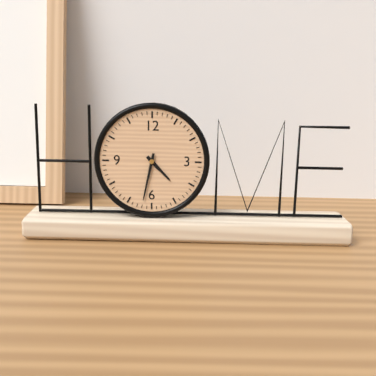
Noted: **4:32**
